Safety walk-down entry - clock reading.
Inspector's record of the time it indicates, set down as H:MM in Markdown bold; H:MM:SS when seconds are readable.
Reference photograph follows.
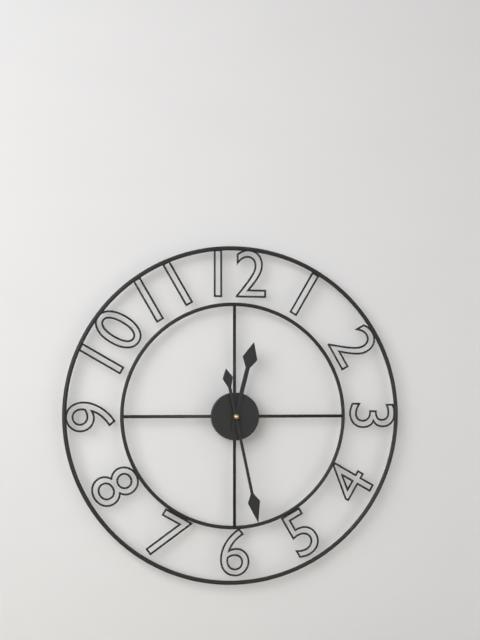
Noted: **12:28**
